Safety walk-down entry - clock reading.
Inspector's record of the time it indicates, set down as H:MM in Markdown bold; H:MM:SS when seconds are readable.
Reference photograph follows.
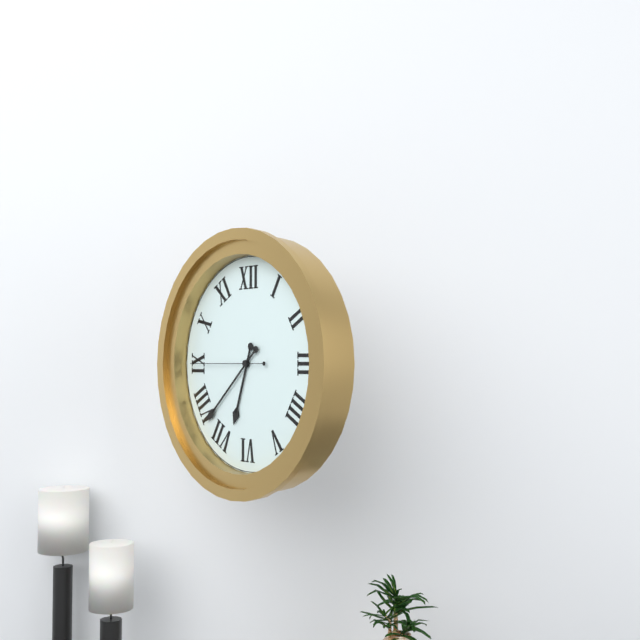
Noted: **6:38:45**
